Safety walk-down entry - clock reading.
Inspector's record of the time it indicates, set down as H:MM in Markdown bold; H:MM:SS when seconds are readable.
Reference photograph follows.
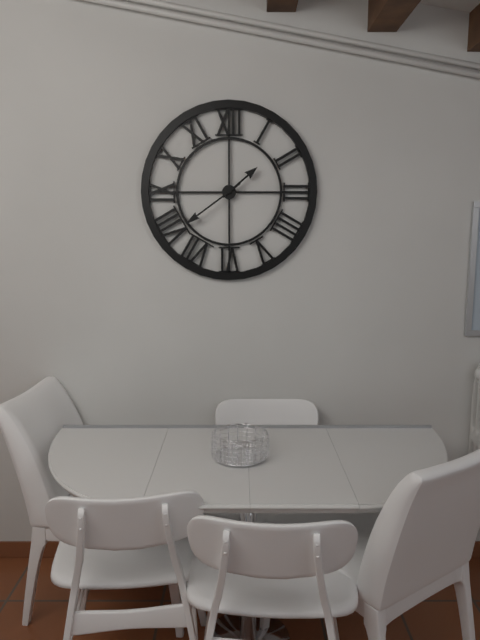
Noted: **1:39**
